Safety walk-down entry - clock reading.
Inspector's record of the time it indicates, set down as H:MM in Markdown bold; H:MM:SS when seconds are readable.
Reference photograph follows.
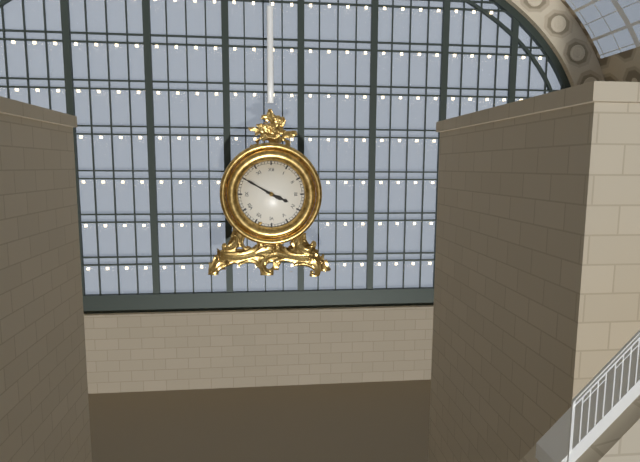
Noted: **3:50**
